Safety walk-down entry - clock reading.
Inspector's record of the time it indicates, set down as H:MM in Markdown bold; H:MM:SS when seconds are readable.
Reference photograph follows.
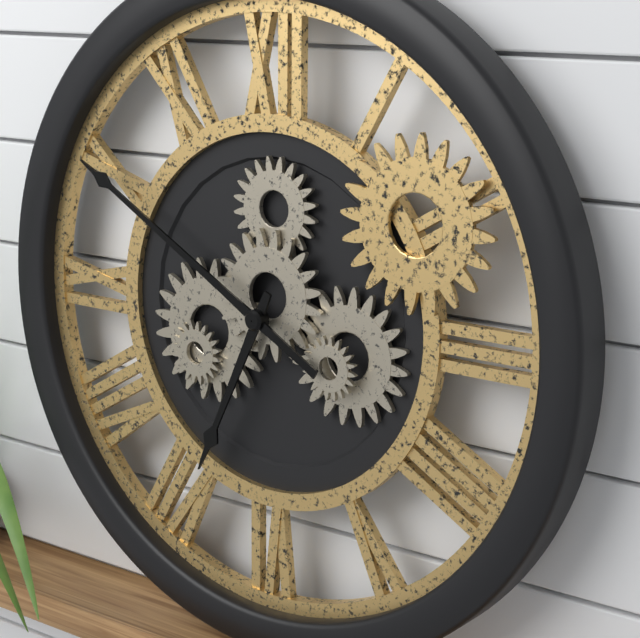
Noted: **6:50**
